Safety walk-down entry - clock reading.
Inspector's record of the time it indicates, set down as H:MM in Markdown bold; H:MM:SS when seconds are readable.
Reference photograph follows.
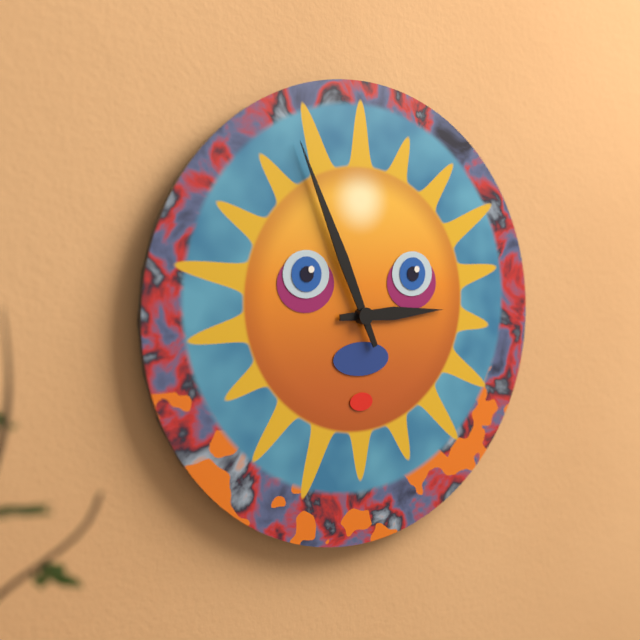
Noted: **2:56**
